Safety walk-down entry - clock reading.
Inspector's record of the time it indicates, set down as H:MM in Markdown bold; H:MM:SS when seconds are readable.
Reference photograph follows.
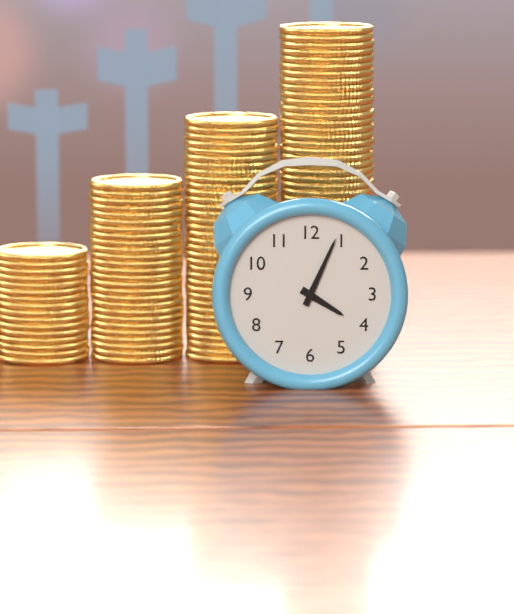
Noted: **4:04**
